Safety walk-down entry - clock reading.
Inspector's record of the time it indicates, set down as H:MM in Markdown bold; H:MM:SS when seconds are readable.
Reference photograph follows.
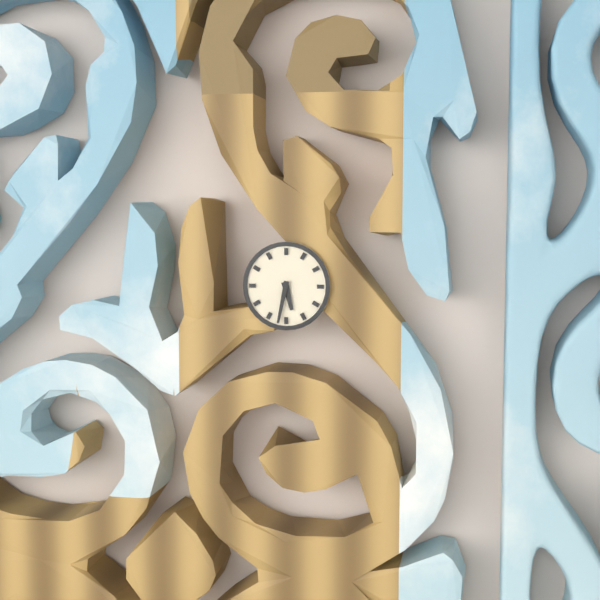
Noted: **5:32**
